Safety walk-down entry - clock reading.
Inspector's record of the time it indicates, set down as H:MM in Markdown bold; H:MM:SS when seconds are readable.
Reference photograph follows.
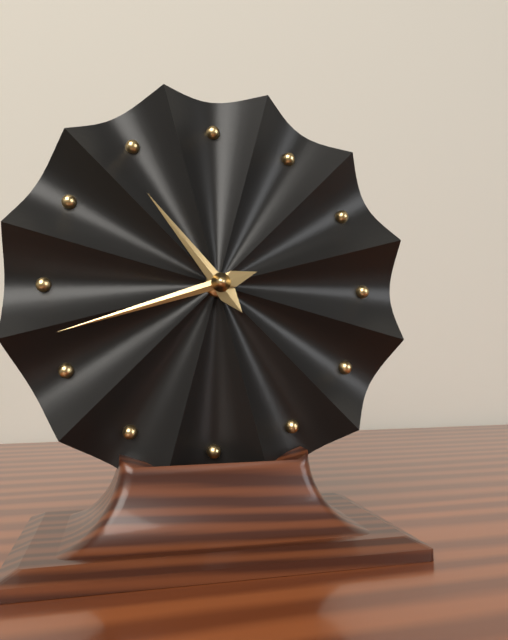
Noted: **10:42**
